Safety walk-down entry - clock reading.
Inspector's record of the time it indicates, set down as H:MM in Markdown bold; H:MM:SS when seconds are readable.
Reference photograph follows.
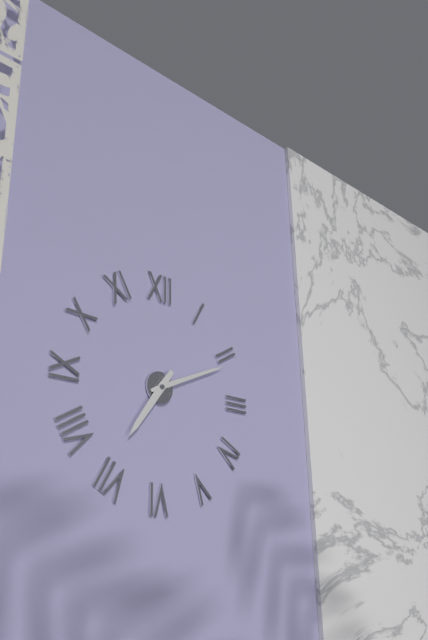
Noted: **7:11**
